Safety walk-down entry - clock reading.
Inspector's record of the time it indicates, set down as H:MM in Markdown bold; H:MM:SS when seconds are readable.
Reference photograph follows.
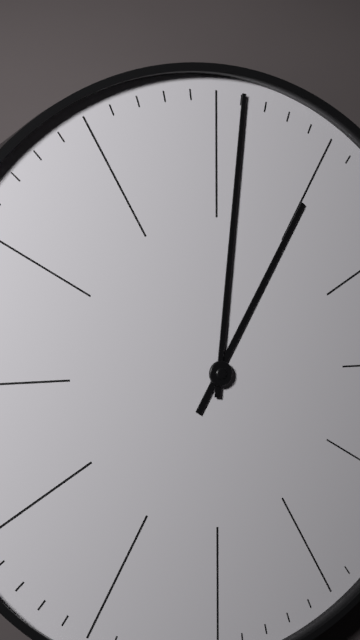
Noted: **1:01**
